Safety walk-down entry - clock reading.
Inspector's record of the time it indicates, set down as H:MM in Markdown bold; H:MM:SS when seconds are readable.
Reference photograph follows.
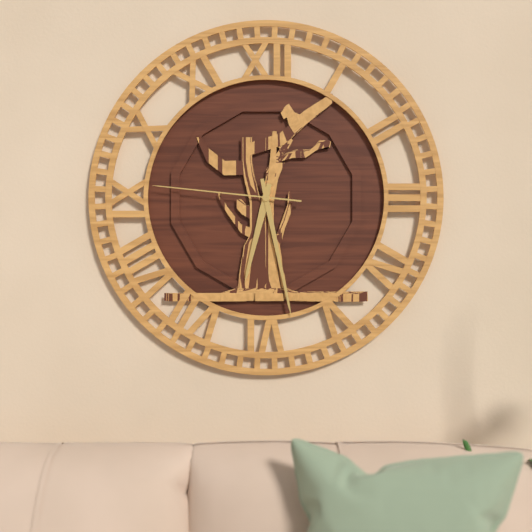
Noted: **6:28:46**
